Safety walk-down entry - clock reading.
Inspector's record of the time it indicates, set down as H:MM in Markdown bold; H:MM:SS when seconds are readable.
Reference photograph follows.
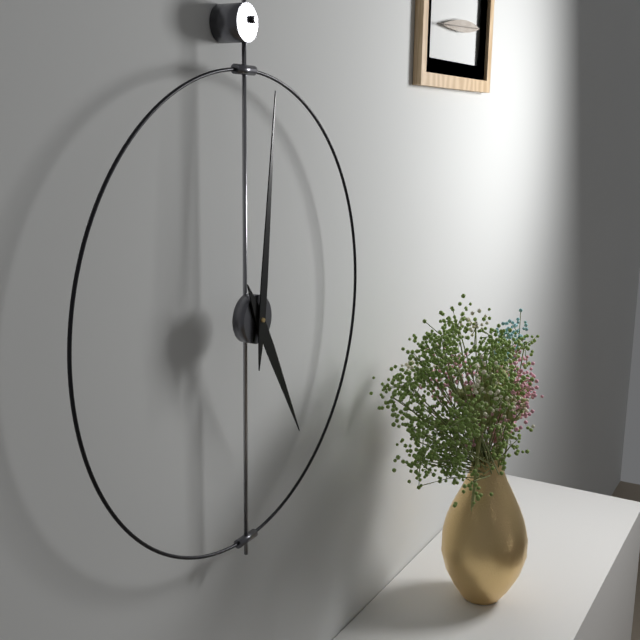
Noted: **5:01**
